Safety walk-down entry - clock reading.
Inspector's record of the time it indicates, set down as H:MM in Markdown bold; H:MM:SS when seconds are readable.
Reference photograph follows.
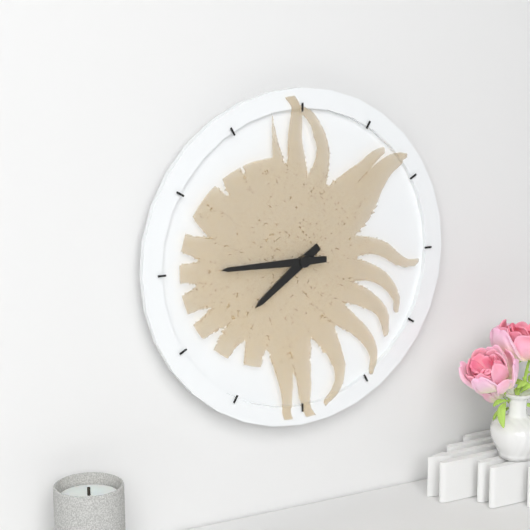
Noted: **7:45**
